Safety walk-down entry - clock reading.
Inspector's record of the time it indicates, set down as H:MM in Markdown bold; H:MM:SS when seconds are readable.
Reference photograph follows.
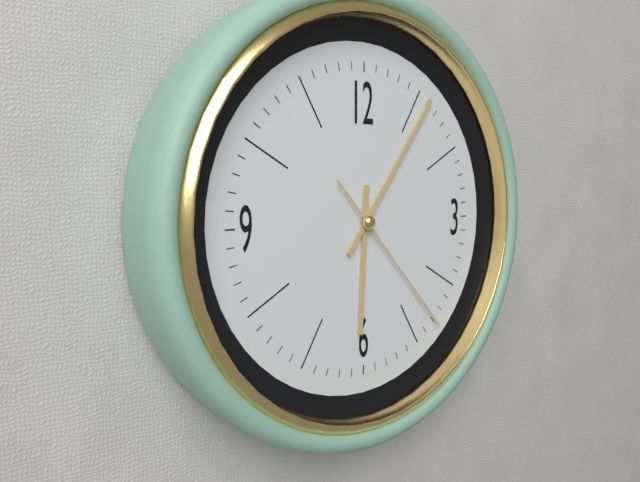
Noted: **6:06:23**
